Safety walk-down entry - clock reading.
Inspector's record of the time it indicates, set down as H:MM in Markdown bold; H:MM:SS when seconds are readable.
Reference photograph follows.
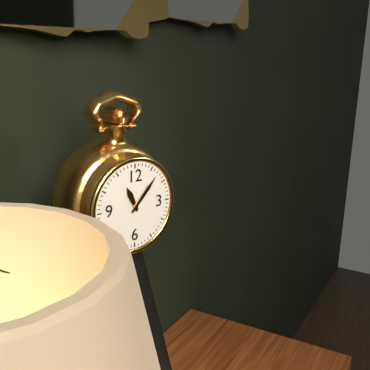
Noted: **11:07**
